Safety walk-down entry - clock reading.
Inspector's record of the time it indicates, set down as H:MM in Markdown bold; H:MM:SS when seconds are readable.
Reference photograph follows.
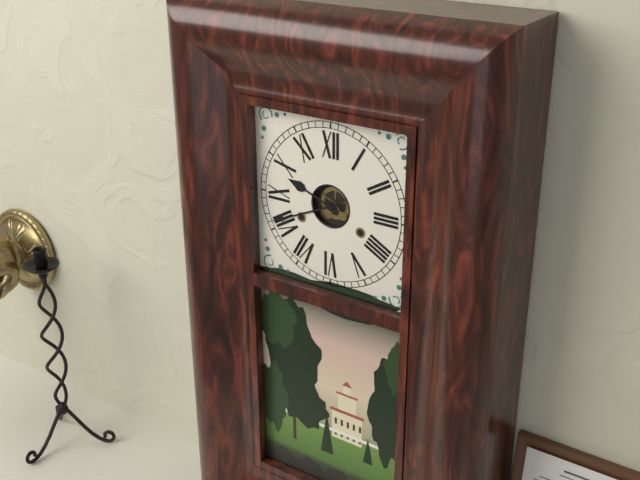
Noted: **9:41**
